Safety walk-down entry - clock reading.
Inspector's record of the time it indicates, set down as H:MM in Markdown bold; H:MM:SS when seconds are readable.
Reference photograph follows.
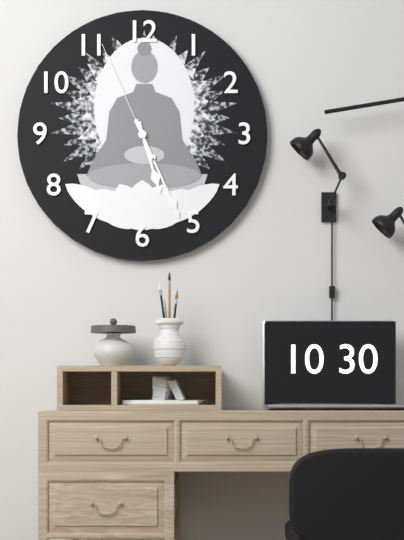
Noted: **5:26:56**
